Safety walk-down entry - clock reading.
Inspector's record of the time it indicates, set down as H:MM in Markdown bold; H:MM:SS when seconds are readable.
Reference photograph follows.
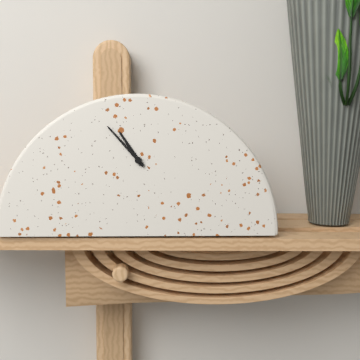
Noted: **10:53**
